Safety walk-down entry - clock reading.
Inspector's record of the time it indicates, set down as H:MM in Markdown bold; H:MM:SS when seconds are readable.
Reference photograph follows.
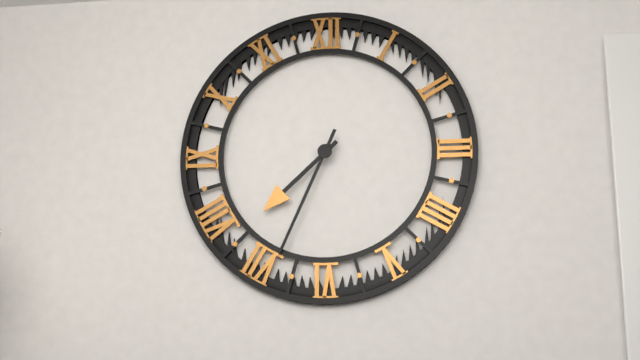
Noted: **7:34**
